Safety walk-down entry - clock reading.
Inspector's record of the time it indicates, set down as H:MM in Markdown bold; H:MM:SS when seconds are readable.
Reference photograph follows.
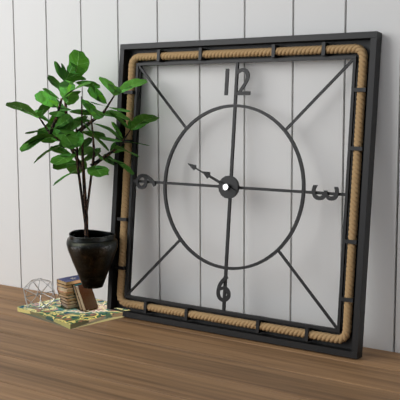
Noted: **9:49**
